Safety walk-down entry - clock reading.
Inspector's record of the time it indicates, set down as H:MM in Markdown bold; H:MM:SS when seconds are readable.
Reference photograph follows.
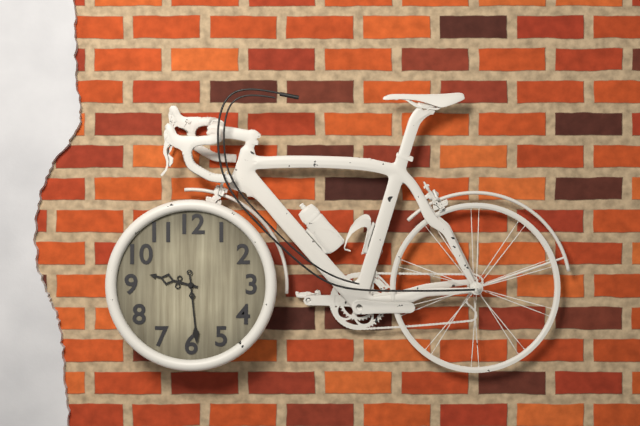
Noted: **9:29**
